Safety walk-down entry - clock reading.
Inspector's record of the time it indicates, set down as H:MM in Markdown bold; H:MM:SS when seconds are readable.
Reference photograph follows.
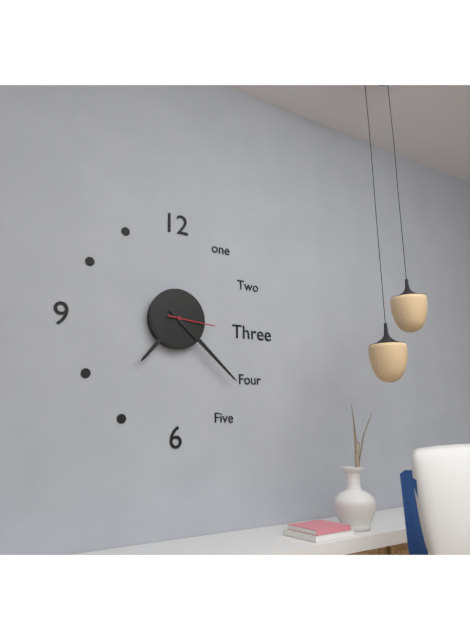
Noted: **7:22**
